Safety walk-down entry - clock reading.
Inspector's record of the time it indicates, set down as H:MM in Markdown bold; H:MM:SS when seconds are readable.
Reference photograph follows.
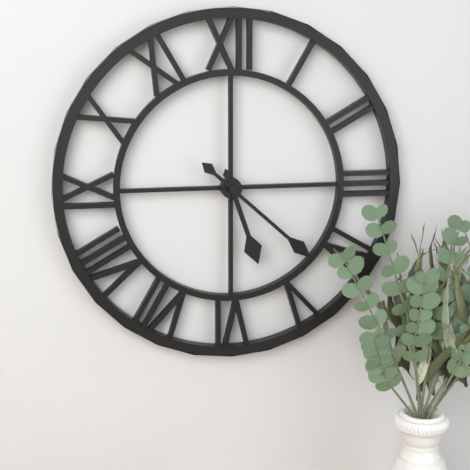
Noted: **5:22**
